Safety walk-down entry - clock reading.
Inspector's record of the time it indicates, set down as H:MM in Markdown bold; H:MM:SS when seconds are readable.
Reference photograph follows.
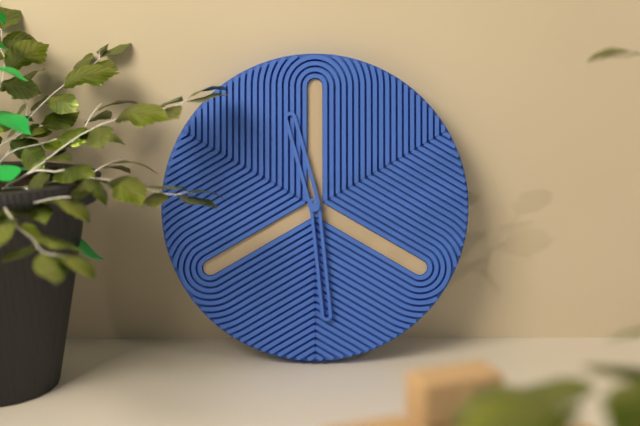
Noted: **11:29**
